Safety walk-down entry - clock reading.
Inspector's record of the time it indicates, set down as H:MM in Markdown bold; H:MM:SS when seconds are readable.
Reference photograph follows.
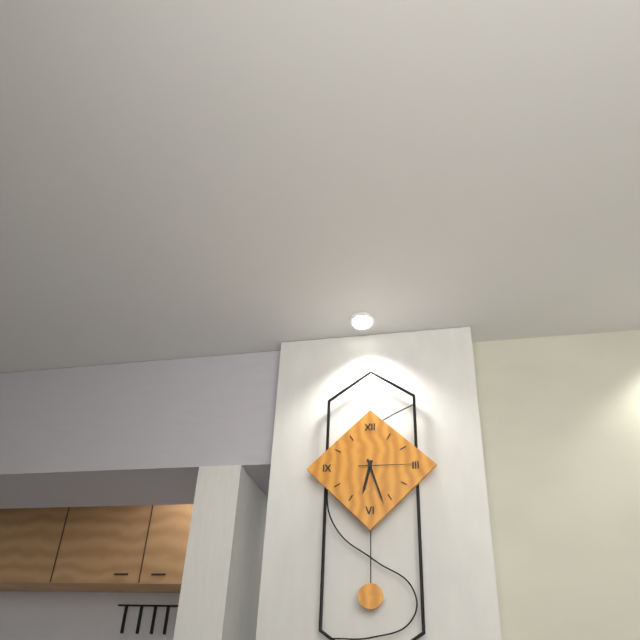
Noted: **6:27:15**
